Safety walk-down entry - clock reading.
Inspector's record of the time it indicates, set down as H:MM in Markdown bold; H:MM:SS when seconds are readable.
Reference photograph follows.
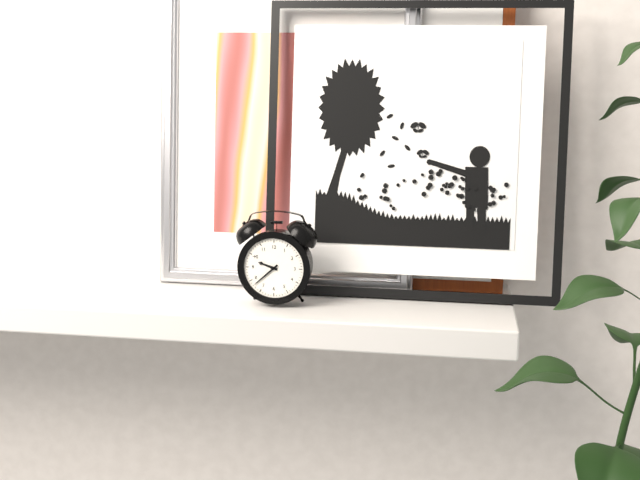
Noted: **9:38**
